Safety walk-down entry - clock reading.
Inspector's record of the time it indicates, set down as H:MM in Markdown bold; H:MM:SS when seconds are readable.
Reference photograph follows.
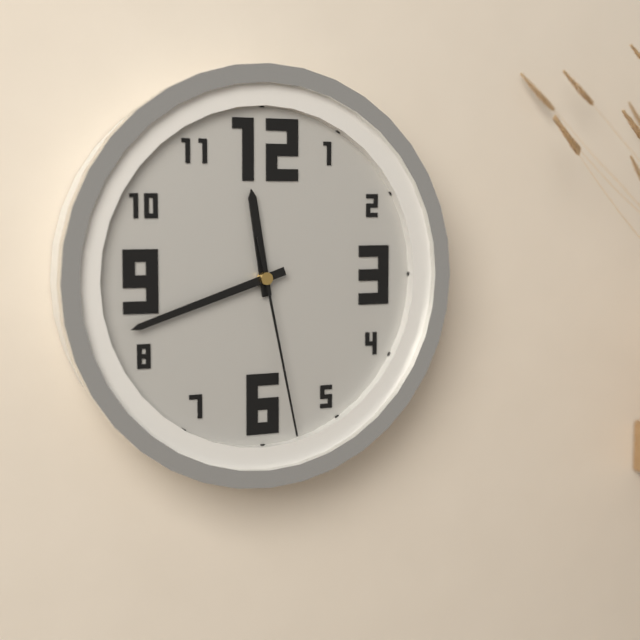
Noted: **11:42:28**
